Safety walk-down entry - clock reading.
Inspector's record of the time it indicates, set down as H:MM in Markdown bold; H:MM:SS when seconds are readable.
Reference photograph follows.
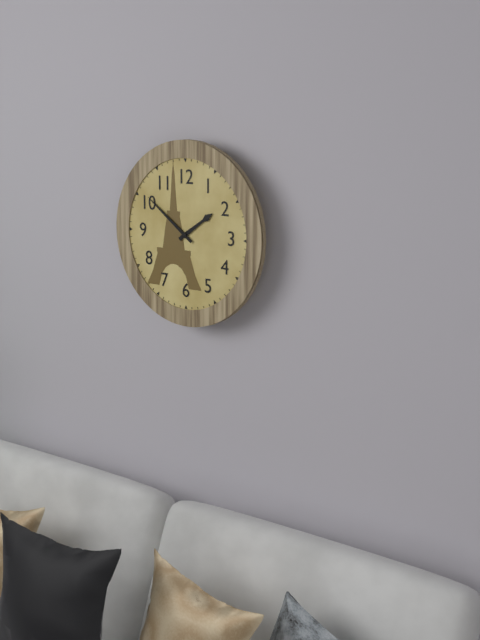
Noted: **1:51**
